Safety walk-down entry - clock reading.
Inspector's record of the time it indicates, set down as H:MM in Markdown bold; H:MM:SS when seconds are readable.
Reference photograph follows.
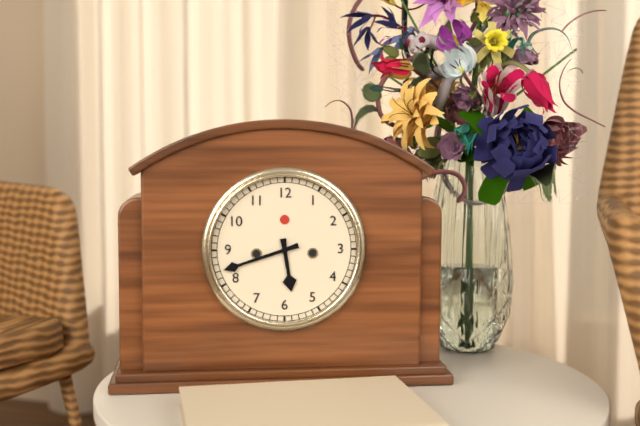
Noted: **5:42**
